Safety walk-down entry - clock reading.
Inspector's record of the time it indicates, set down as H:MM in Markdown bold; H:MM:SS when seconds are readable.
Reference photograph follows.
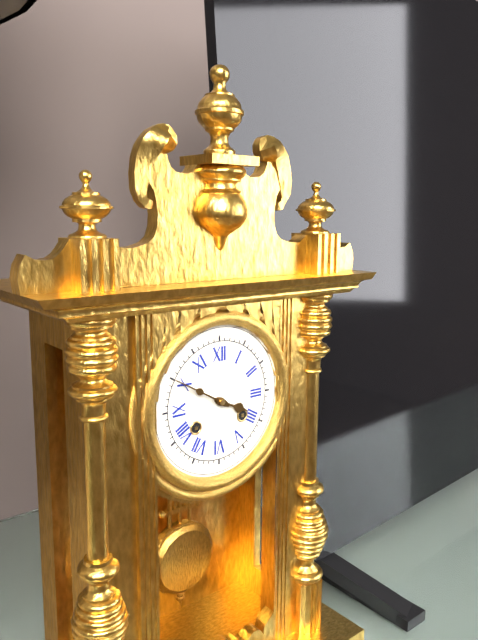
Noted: **3:50**
